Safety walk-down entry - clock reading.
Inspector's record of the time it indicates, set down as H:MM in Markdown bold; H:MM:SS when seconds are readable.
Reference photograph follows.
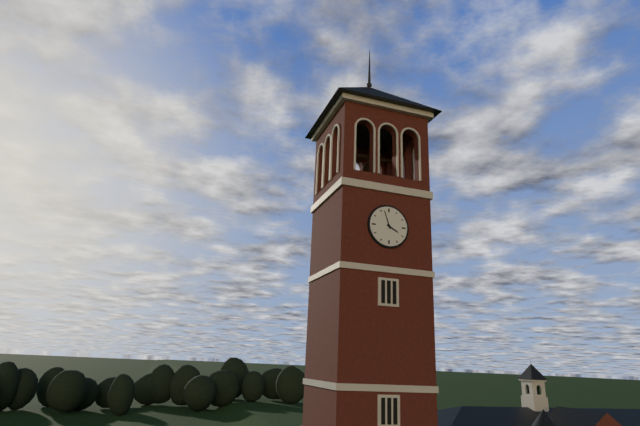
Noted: **3:57**
